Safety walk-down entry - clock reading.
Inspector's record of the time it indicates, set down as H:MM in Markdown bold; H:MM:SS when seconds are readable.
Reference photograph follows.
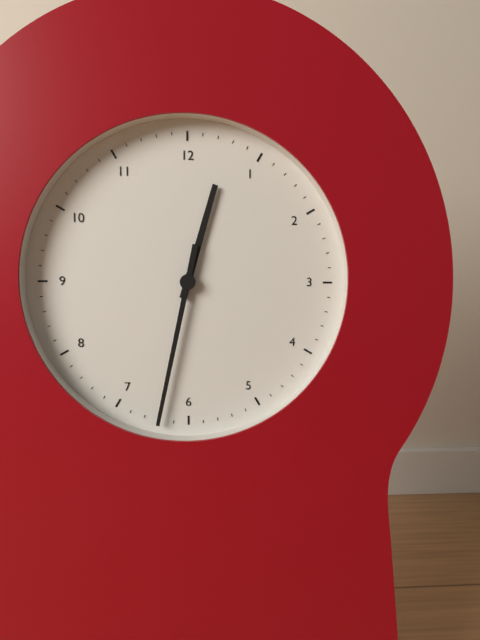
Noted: **12:32**
